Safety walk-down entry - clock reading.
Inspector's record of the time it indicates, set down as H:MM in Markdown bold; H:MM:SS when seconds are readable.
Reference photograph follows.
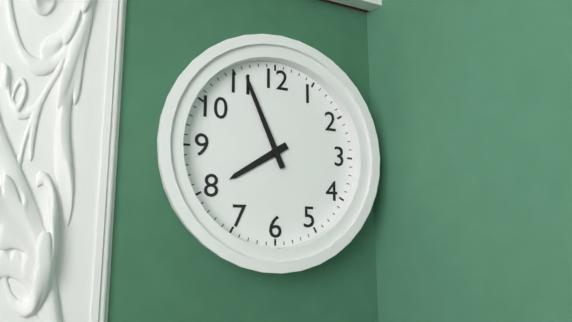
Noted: **7:56**
